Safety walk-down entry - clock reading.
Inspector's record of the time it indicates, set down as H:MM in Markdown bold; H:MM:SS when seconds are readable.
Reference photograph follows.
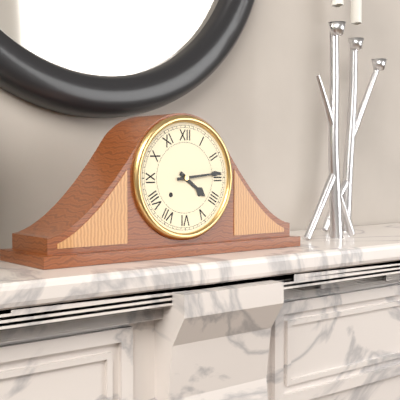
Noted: **4:14**
